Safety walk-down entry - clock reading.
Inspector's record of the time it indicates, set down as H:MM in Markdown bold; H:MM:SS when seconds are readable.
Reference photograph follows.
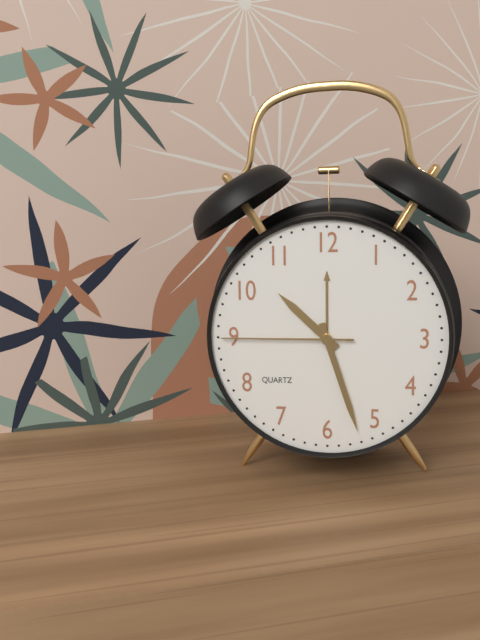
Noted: **10:27:45**
